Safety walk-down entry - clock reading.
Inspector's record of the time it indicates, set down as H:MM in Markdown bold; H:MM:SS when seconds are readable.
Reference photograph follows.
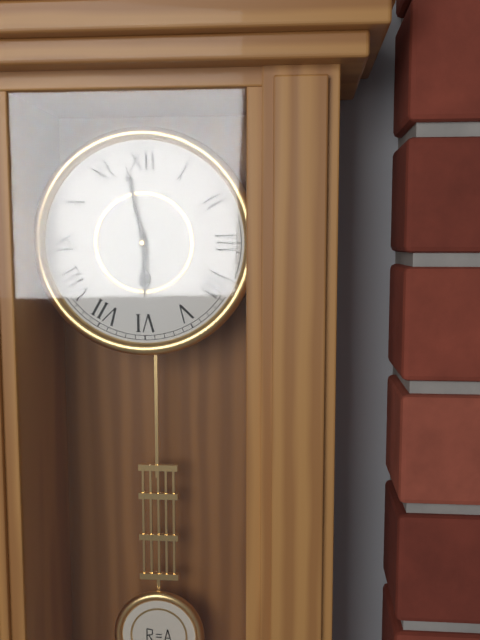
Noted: **5:58**
